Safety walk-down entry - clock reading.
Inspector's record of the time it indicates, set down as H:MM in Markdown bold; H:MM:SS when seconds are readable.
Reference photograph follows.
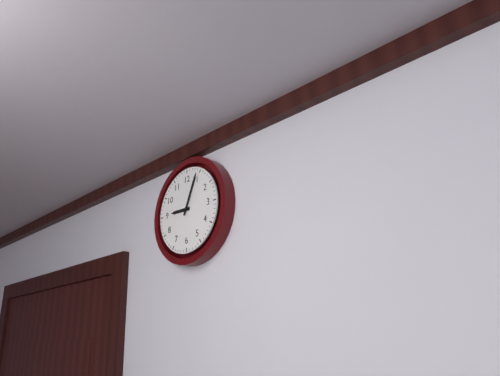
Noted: **9:04**
